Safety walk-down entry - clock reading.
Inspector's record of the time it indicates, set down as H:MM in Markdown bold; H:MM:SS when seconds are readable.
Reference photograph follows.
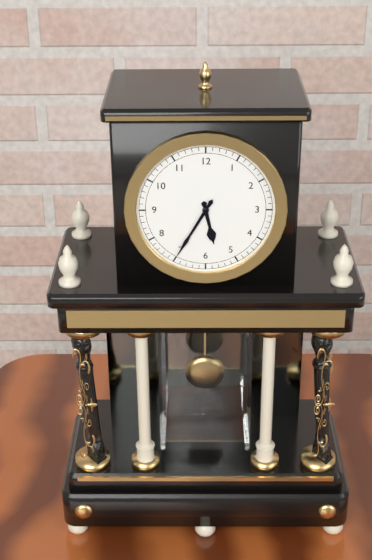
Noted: **5:35**
